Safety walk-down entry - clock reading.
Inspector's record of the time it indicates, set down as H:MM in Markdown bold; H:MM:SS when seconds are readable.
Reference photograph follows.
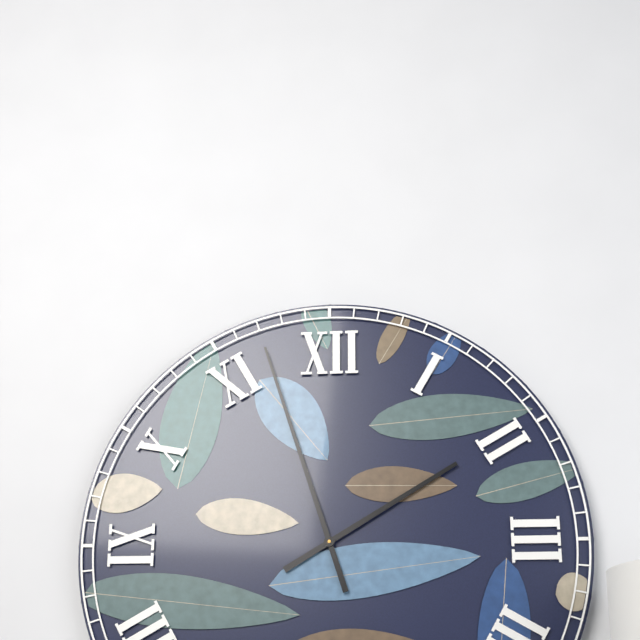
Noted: **1:57**
